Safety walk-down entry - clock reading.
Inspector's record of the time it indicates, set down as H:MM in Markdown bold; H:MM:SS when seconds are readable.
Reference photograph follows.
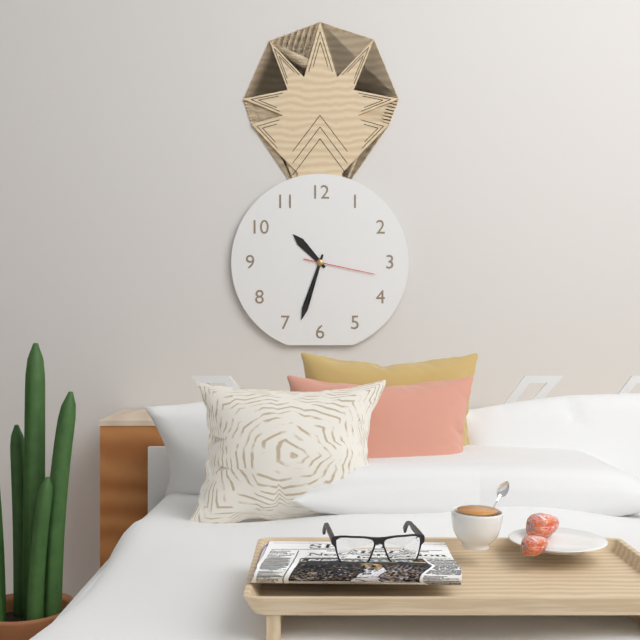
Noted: **10:33:17**
